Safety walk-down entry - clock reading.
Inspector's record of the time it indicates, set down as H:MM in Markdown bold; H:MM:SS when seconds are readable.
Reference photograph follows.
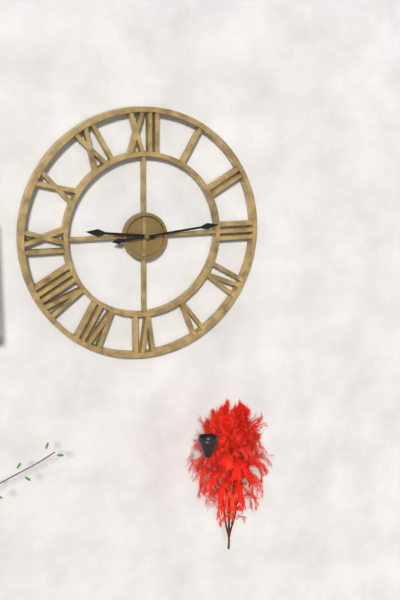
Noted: **9:14**
